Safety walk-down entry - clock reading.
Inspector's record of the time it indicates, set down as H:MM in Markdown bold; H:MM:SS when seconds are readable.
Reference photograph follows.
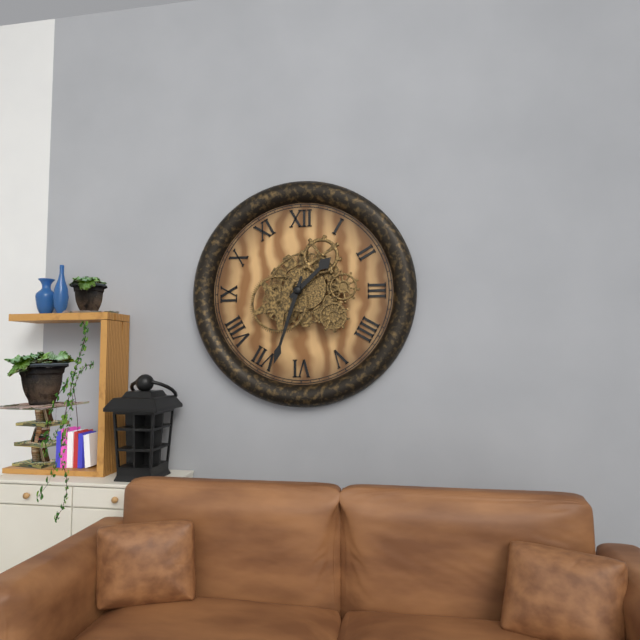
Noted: **1:33**
